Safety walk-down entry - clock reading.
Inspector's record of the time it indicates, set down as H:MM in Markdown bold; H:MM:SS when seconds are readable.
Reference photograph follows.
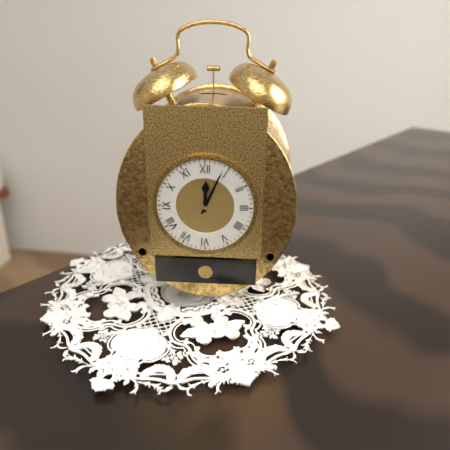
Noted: **12:04**
